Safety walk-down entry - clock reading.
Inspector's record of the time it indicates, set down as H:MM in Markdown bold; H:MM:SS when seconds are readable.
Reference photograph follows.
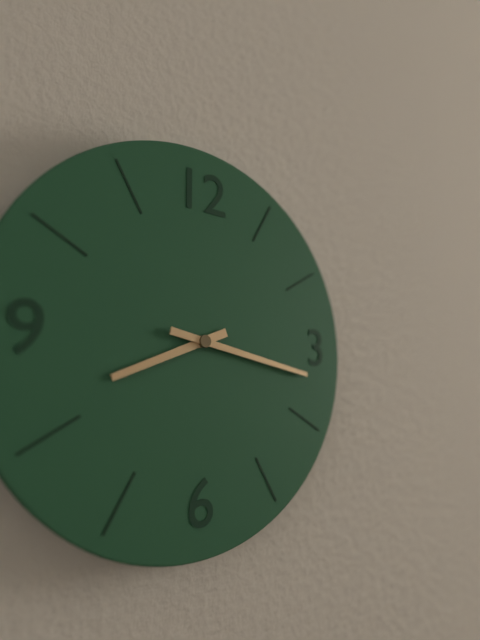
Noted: **8:17**
